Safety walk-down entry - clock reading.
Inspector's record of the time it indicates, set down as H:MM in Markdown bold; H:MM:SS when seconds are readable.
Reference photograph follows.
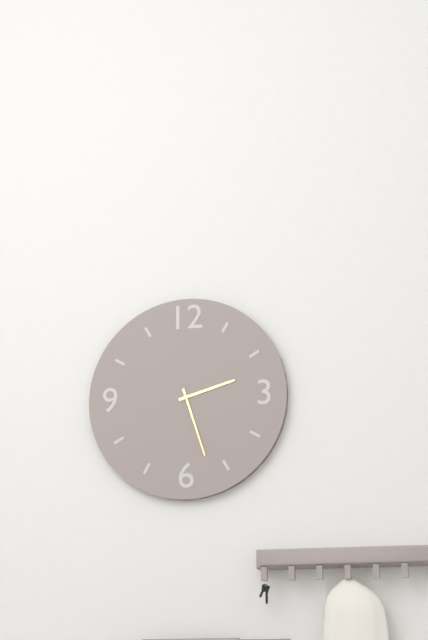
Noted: **2:27**
